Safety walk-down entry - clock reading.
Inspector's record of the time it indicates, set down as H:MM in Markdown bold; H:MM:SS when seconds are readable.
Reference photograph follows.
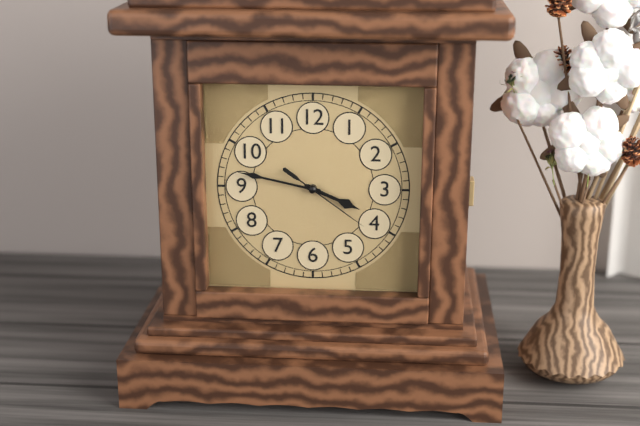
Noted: **3:47:21**
